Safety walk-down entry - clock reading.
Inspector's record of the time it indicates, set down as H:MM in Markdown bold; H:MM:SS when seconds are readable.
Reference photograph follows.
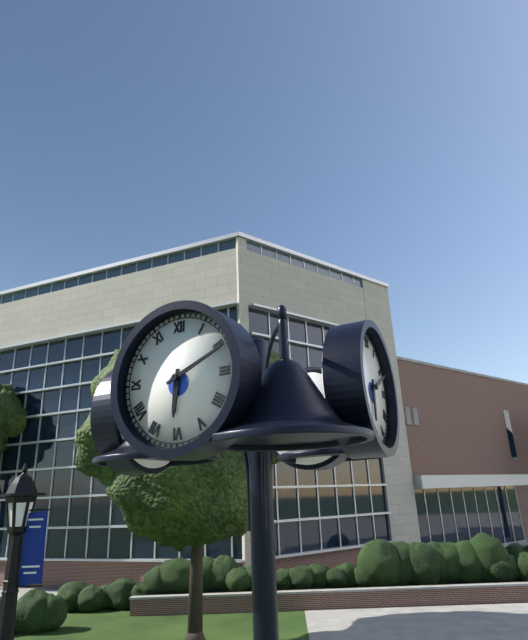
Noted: **6:11**
